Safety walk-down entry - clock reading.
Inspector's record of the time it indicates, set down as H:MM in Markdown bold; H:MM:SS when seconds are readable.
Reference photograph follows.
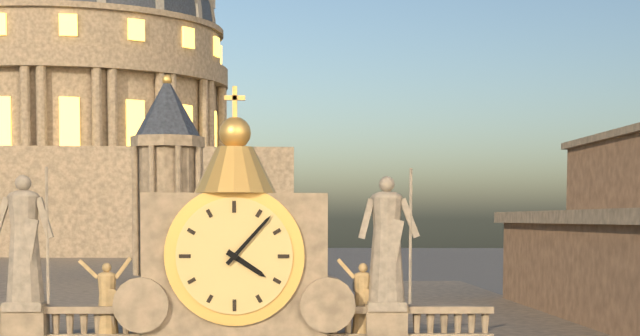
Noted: **4:07**
